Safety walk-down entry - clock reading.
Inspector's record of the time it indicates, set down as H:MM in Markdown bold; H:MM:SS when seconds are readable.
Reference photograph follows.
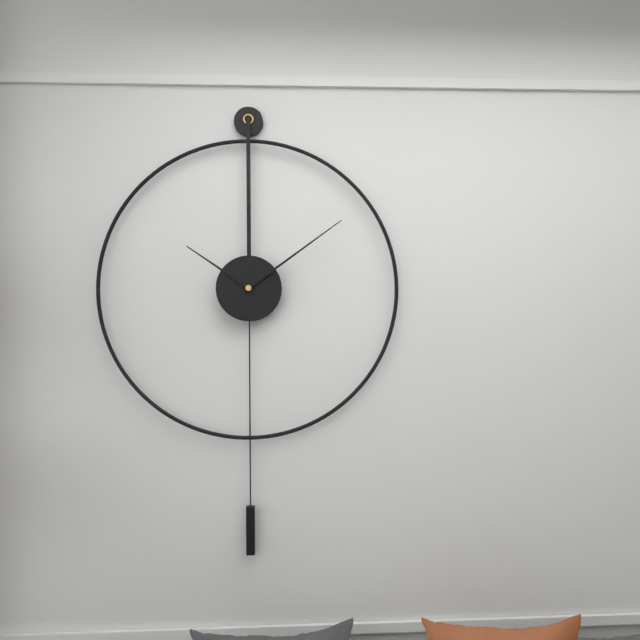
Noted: **10:09**
